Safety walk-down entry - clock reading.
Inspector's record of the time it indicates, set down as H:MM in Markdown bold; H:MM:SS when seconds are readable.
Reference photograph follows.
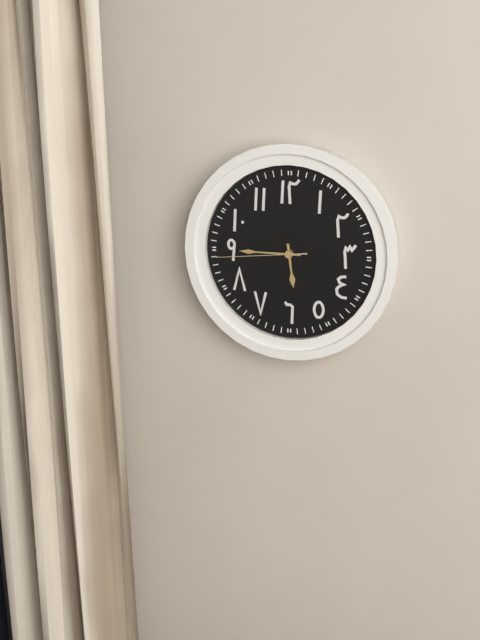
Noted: **5:45:44**
